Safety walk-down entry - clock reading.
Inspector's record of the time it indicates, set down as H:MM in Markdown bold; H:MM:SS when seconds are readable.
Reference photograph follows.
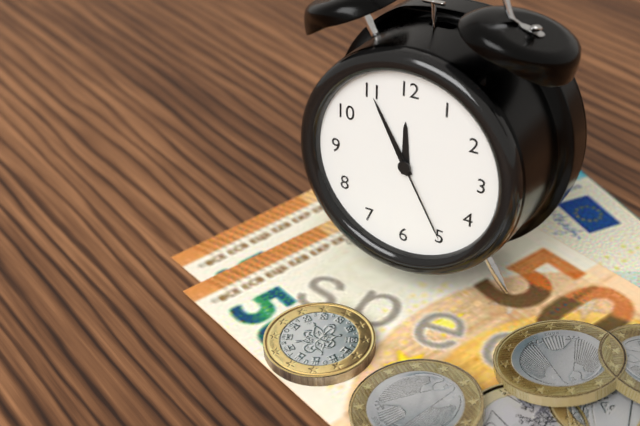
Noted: **11:55:25**
